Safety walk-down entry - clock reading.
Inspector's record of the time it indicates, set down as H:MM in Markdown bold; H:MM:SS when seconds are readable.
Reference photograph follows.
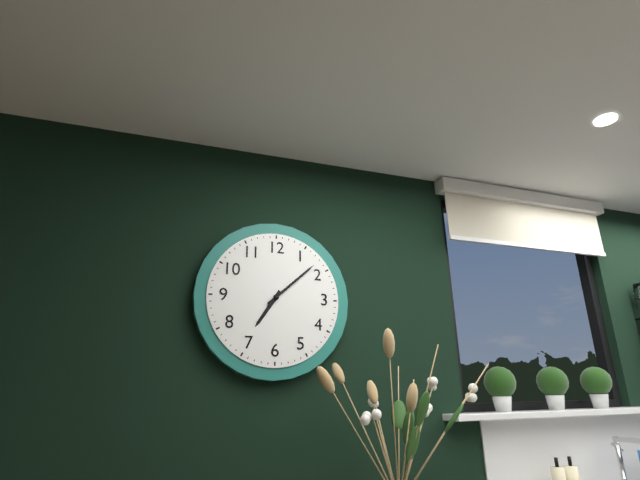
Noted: **7:08**
